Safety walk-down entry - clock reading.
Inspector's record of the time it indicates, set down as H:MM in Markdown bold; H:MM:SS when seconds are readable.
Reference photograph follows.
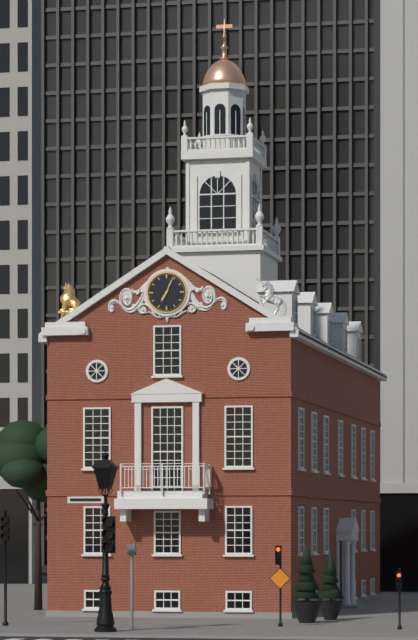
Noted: **7:04**
